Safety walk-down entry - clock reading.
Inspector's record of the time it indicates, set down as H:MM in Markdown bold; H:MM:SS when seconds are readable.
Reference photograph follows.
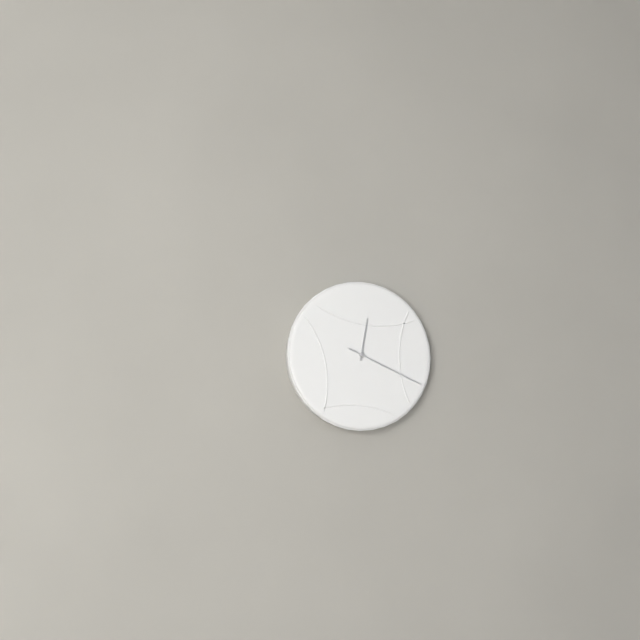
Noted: **12:19**
